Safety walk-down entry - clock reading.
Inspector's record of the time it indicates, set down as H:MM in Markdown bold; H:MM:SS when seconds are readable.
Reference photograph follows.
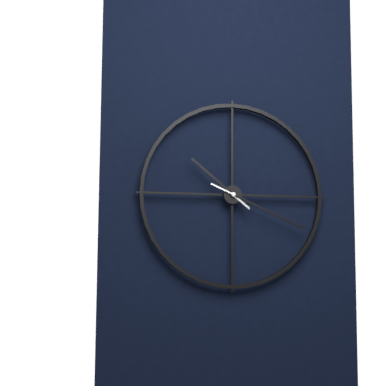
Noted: **10:19**
